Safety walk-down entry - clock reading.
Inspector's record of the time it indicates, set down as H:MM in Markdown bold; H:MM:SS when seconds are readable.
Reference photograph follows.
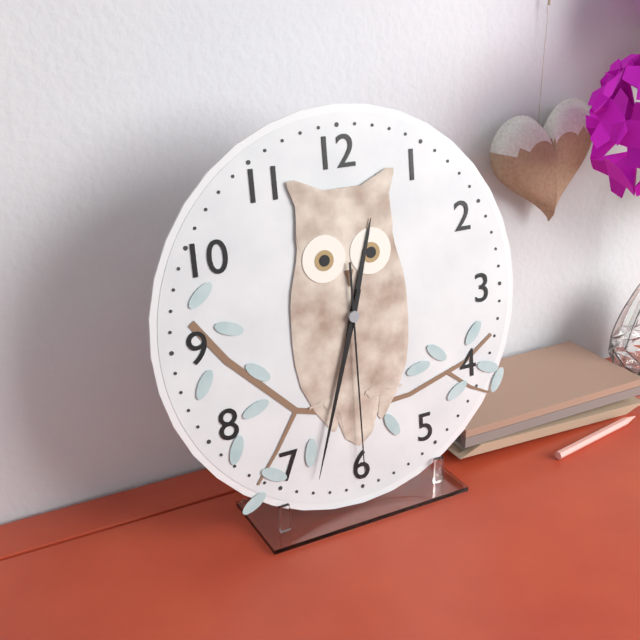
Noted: **12:33:30**
